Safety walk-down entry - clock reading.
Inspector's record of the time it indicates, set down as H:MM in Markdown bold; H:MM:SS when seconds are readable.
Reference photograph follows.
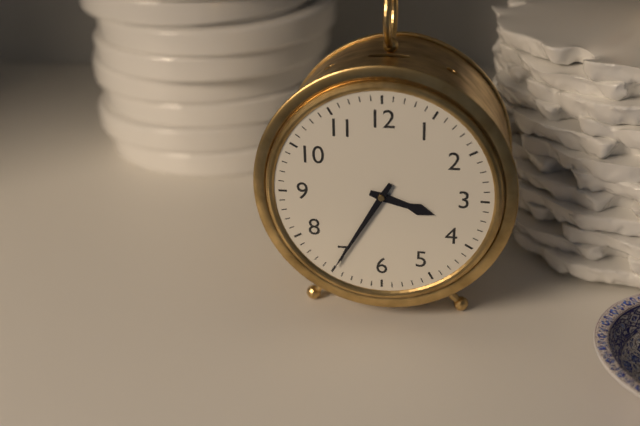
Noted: **3:35**
